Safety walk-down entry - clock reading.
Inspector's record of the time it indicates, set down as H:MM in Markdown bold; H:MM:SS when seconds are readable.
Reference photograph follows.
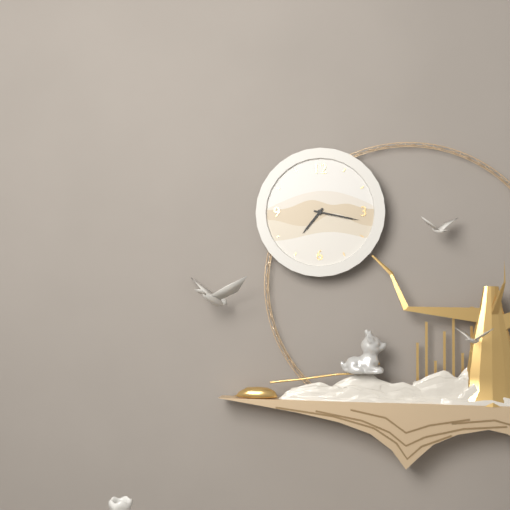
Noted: **7:17**
